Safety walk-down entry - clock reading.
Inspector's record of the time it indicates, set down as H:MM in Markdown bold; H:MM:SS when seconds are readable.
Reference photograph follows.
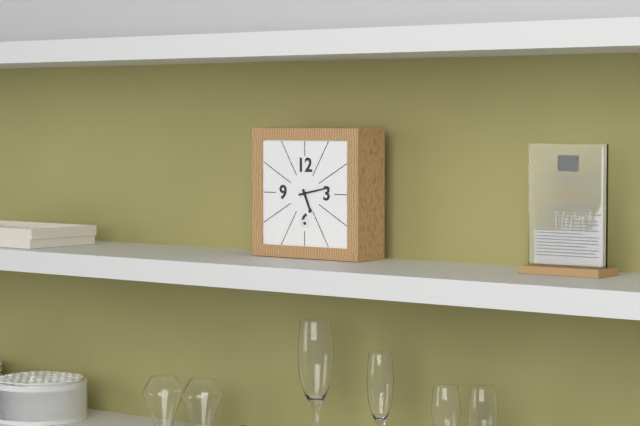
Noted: **5:13**
